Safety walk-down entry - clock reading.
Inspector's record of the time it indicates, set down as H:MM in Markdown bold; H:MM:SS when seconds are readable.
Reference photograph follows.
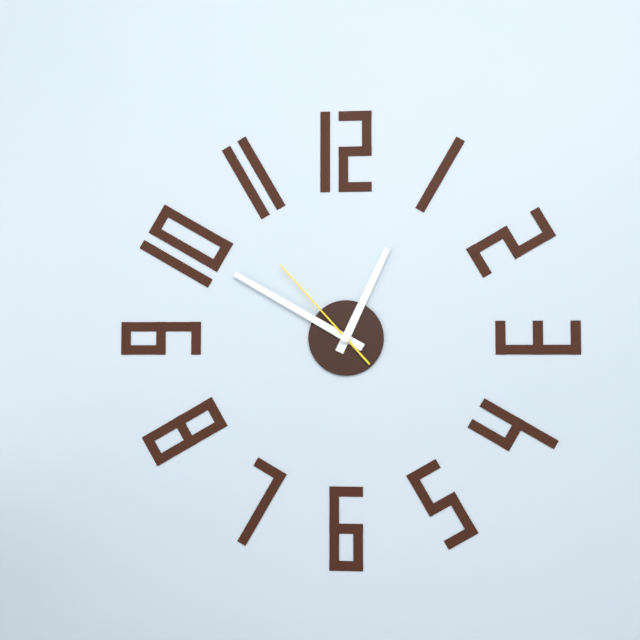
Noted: **12:50:53**
